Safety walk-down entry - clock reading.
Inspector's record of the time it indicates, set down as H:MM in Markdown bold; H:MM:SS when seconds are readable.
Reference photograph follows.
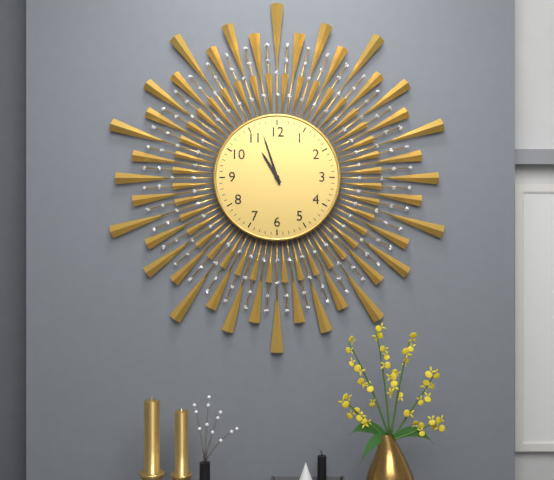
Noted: **10:57**
